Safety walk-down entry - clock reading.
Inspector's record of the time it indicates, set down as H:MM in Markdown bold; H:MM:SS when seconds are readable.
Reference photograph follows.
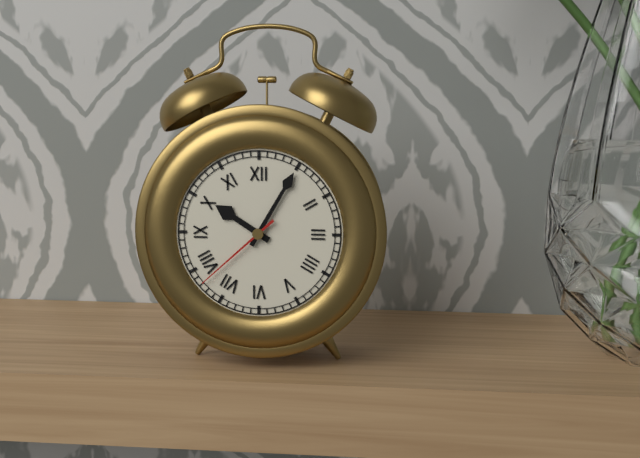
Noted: **10:05:38**
